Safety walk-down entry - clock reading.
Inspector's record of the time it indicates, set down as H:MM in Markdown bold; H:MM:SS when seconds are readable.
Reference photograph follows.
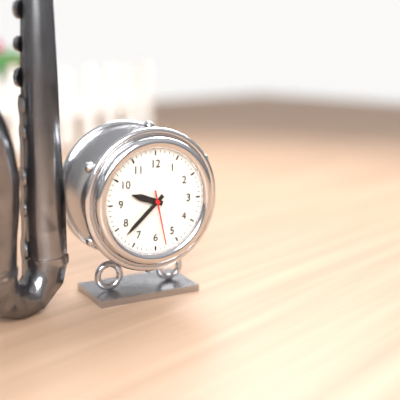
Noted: **9:38:28**
